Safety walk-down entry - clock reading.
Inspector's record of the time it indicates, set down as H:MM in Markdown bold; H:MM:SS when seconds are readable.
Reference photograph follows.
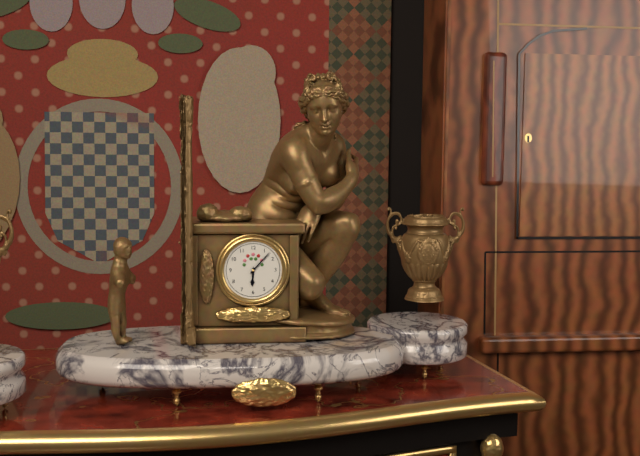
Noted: **6:07**
